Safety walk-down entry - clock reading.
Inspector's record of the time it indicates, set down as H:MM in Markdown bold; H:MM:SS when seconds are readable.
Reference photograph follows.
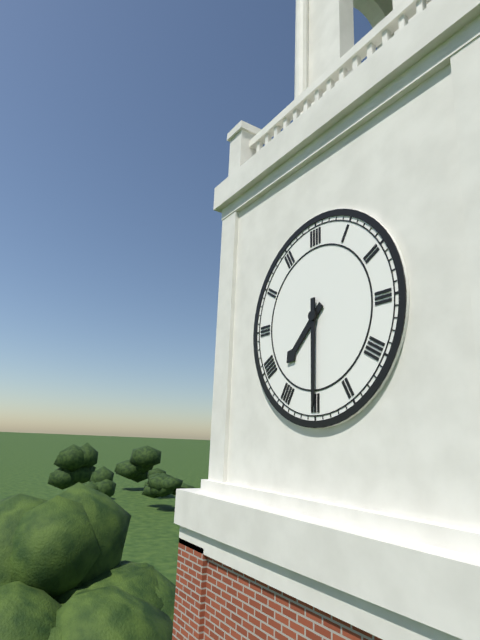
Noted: **7:30**
